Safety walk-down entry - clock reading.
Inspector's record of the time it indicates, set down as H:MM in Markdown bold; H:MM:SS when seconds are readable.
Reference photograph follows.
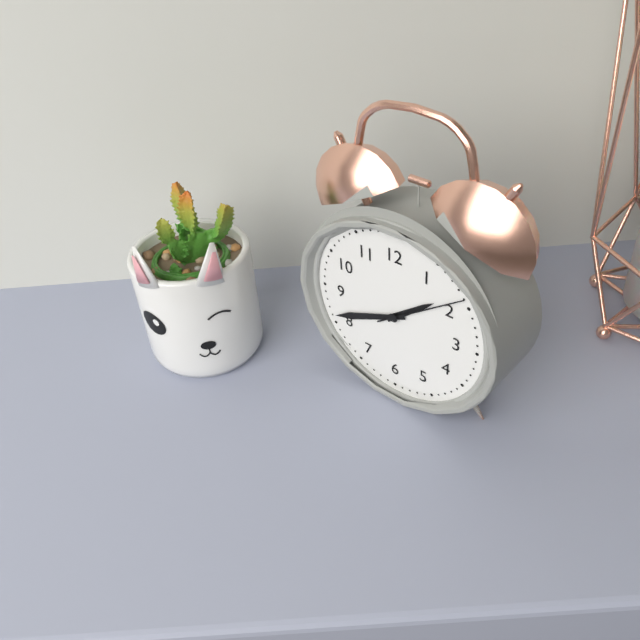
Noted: **1:41:09**
